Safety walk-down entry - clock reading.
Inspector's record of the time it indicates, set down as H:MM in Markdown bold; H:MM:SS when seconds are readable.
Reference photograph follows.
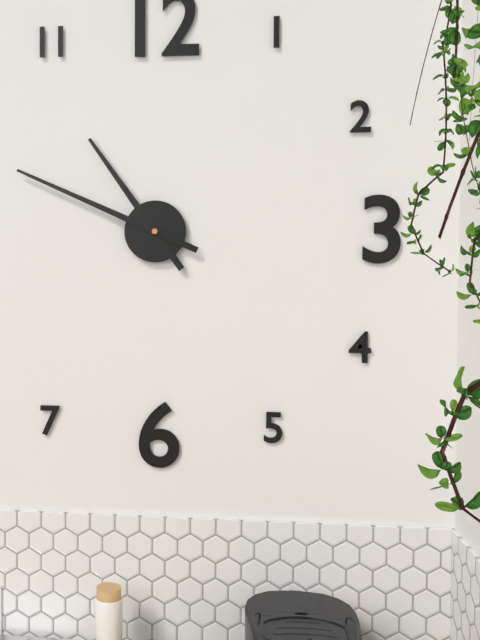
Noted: **10:49**
